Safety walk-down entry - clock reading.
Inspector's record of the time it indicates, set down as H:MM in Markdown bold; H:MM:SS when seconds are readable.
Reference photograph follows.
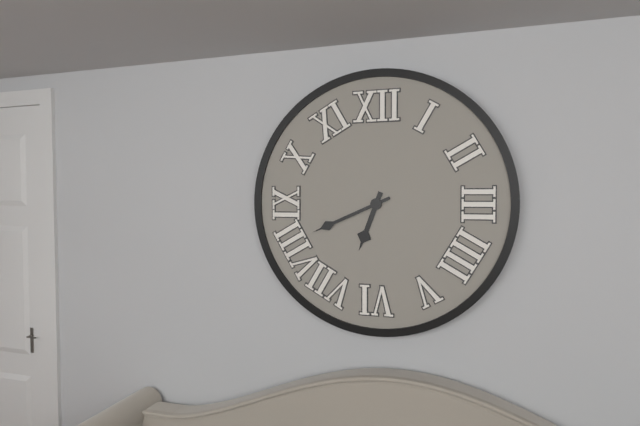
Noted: **6:41**
